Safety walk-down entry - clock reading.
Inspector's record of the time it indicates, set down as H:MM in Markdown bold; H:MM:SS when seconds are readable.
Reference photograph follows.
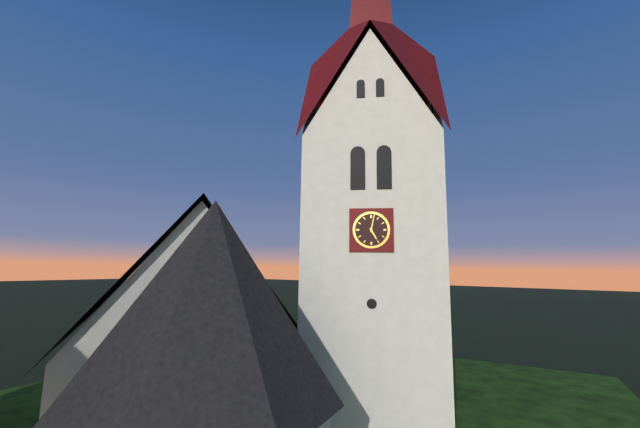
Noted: **5:02**
